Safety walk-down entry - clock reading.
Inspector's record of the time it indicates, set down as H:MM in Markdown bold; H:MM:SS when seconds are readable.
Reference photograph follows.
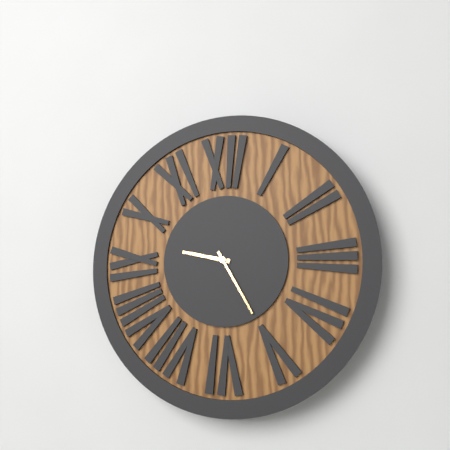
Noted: **9:25**
